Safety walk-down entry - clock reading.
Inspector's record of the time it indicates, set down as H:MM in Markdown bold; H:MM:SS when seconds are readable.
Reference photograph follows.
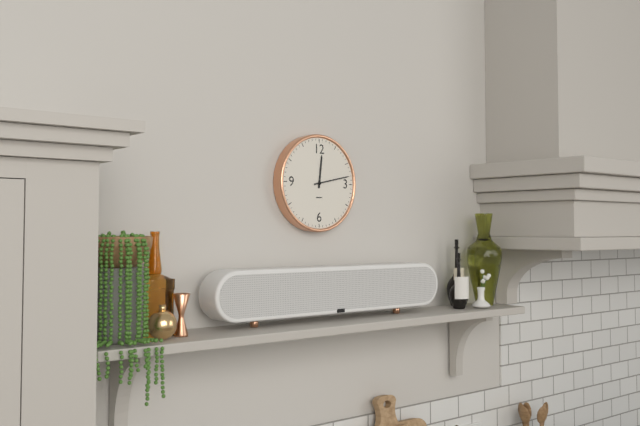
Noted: **12:13**
